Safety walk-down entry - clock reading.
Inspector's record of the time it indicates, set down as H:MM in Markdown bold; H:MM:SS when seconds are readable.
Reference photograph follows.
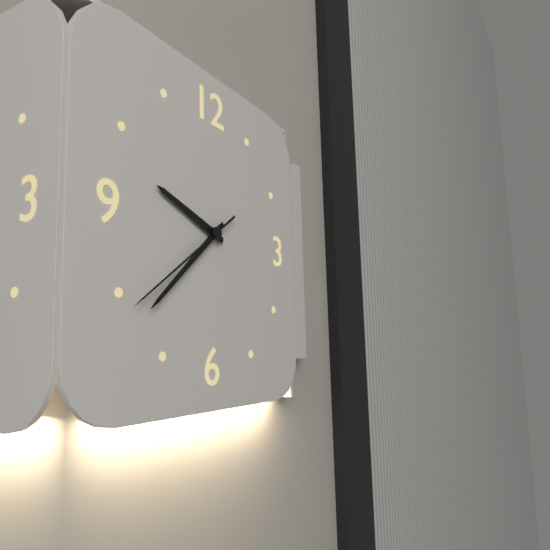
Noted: **9:38:39**
